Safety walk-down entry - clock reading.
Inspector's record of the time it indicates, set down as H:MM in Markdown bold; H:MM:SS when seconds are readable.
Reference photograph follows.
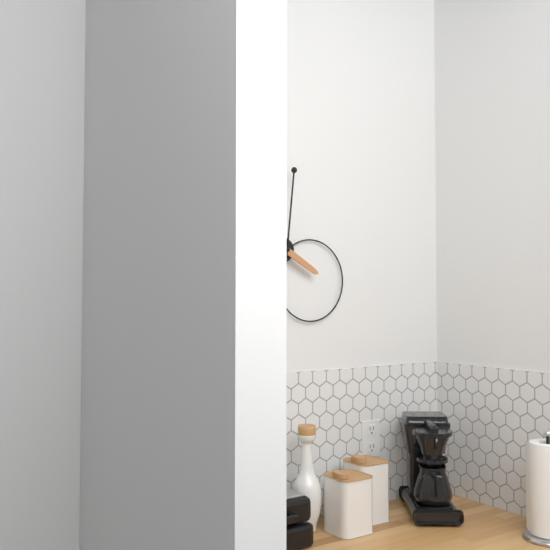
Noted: **4:01**
